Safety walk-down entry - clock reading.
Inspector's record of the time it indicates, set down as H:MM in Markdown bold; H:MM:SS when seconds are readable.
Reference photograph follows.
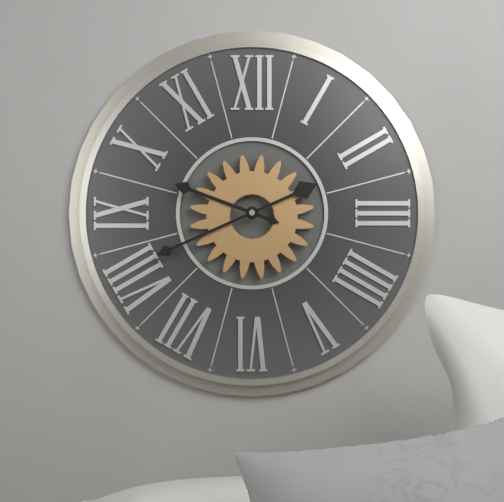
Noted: **9:41**
